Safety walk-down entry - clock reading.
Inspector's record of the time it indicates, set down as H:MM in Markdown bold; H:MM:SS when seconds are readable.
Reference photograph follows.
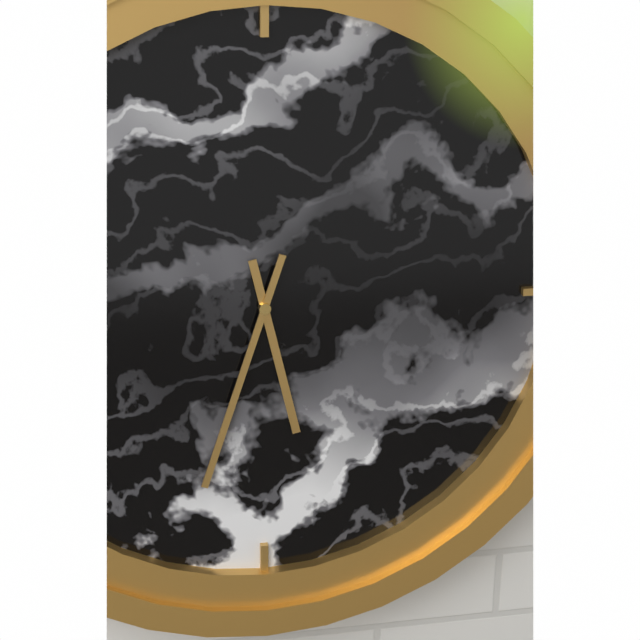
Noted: **5:33**
